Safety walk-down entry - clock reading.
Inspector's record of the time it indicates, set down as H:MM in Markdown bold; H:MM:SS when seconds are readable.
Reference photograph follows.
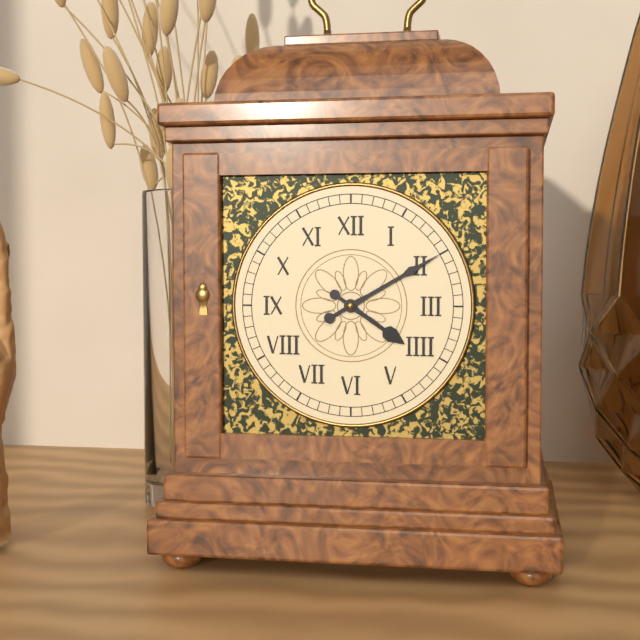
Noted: **4:10**
